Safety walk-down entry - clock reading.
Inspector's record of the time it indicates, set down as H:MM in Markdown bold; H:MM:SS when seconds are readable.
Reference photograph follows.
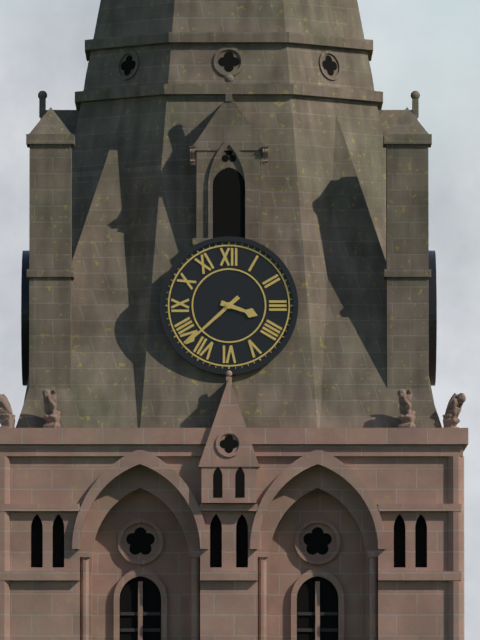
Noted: **3:38**
